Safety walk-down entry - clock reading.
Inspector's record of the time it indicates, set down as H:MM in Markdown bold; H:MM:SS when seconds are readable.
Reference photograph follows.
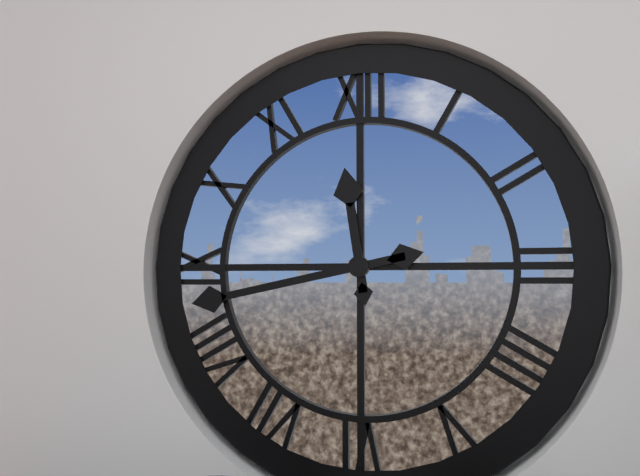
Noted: **11:43**
